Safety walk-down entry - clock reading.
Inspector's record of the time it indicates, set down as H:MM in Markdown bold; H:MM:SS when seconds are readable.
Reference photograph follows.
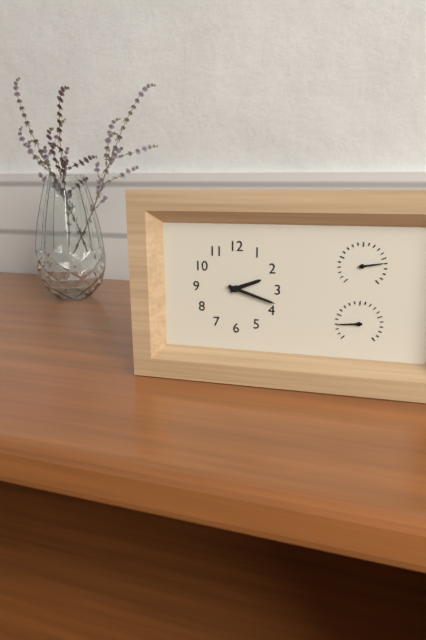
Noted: **2:18**
